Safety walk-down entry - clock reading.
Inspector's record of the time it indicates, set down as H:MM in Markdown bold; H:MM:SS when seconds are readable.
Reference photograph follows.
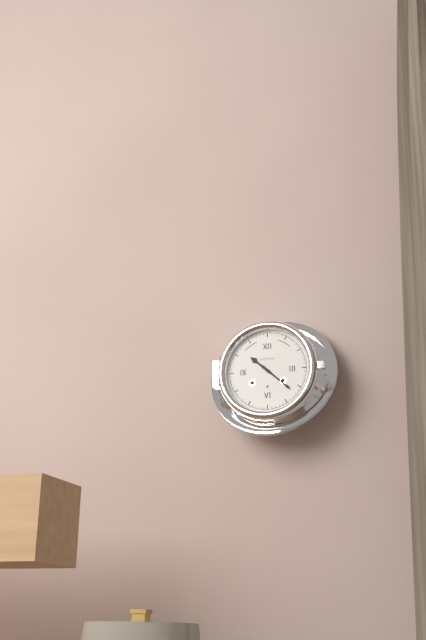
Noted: **10:22**
